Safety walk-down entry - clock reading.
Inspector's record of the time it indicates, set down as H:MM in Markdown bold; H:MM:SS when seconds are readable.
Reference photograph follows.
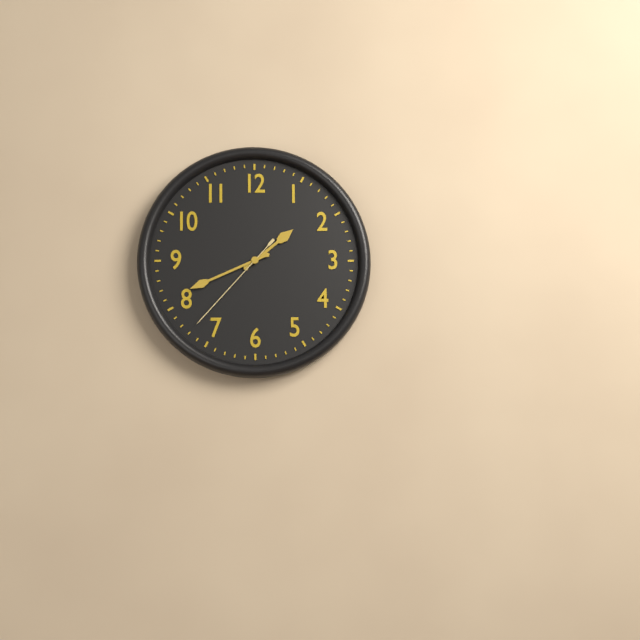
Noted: **1:41:37**
